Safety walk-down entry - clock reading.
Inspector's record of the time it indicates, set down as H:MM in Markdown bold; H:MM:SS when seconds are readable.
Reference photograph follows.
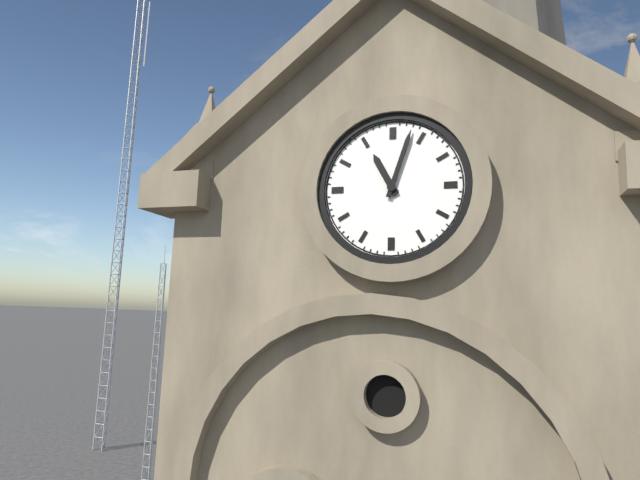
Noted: **11:03**
